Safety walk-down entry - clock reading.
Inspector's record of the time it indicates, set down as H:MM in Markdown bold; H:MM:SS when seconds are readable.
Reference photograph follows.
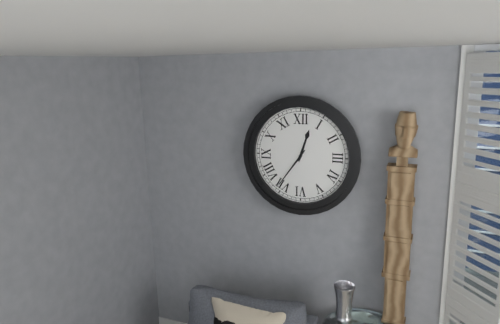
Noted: **12:36**
